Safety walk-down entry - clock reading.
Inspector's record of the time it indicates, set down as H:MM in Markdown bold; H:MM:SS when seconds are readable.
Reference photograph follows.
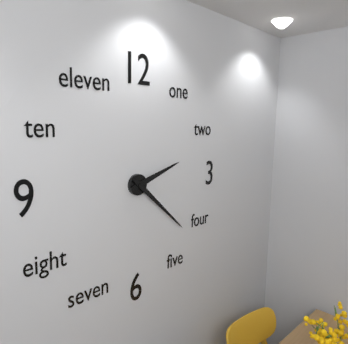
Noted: **2:22**
